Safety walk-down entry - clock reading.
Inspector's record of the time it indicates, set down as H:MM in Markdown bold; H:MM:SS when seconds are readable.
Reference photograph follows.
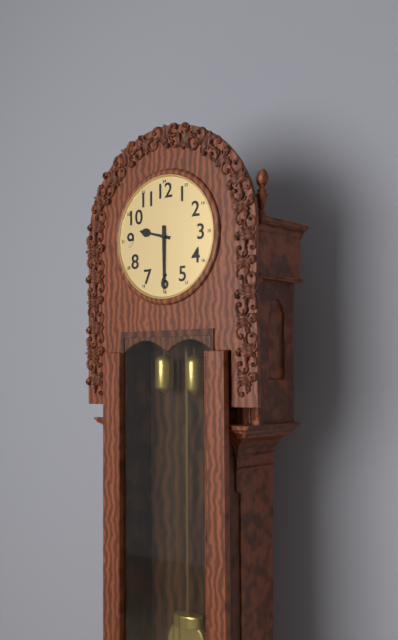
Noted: **9:30**
